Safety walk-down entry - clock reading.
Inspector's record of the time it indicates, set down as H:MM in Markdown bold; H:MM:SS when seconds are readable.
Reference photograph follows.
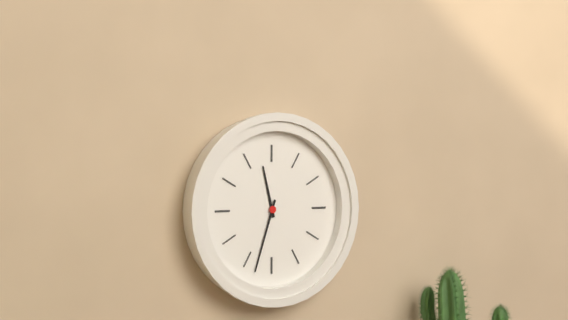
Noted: **11:33**
